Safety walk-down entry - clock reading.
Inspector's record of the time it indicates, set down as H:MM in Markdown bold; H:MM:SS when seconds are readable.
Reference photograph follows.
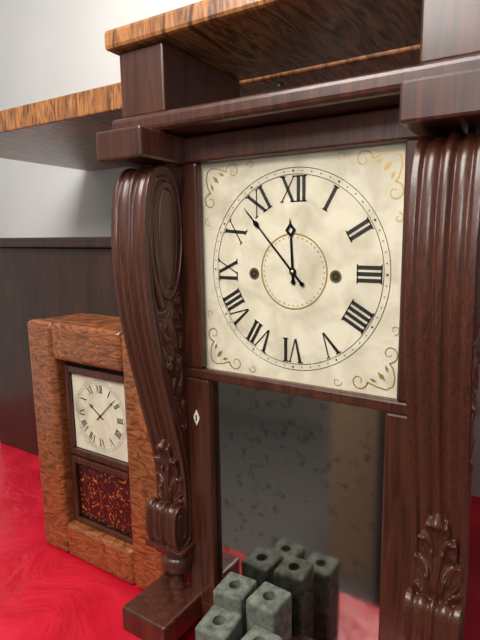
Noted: **11:53**
